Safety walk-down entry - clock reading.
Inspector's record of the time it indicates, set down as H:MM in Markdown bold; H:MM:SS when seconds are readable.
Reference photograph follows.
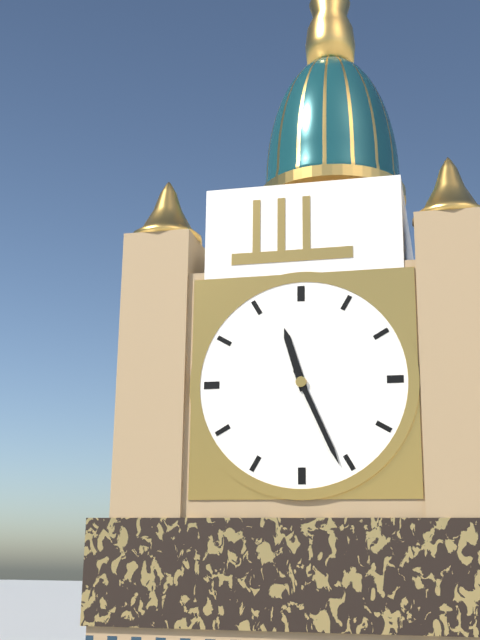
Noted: **11:26**
